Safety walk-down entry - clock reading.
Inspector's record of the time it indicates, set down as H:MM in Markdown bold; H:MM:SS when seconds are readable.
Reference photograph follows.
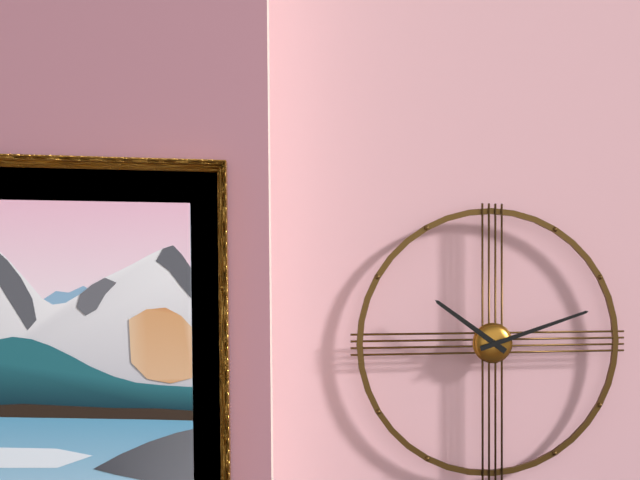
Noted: **10:12**
